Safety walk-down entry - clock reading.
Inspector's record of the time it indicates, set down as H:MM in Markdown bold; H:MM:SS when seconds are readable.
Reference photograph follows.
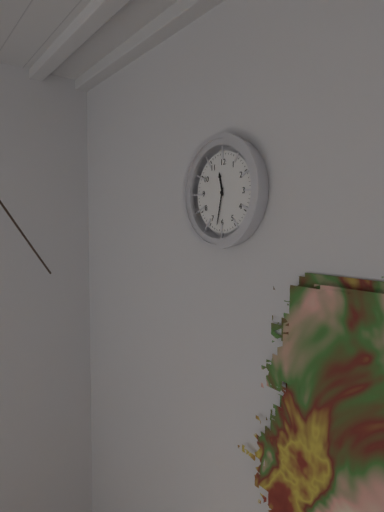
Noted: **11:32**
